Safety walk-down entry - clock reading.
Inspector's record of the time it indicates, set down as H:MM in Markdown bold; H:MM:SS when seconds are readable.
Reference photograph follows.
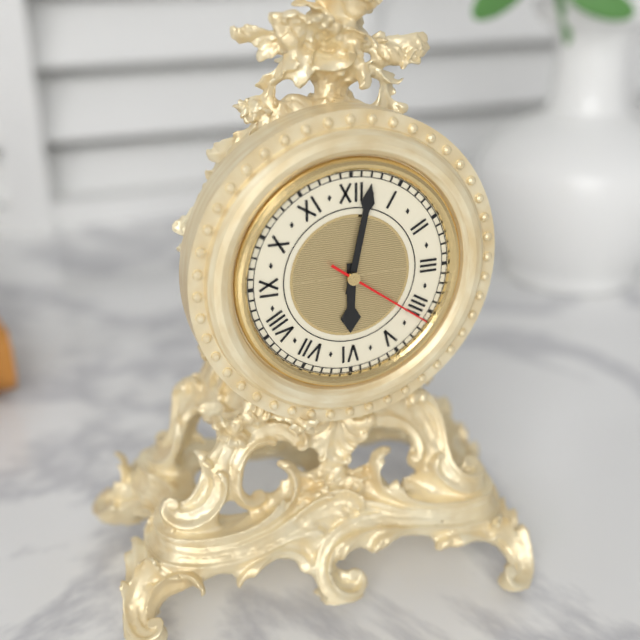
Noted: **6:02:21**
